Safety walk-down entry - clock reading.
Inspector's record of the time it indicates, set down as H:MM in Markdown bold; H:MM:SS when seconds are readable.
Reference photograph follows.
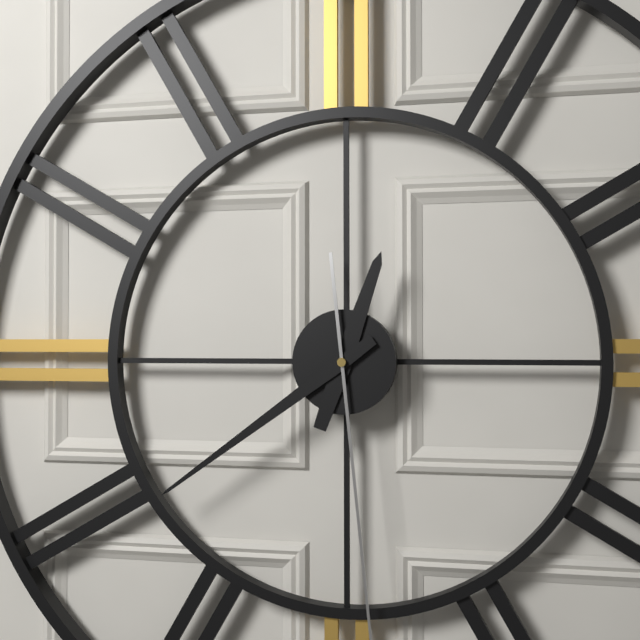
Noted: **12:39**
